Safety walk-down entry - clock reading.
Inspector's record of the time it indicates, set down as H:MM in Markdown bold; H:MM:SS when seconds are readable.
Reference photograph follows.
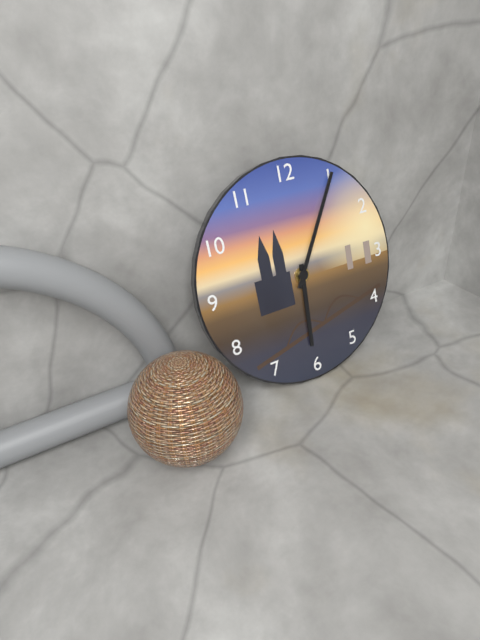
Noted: **6:05**
